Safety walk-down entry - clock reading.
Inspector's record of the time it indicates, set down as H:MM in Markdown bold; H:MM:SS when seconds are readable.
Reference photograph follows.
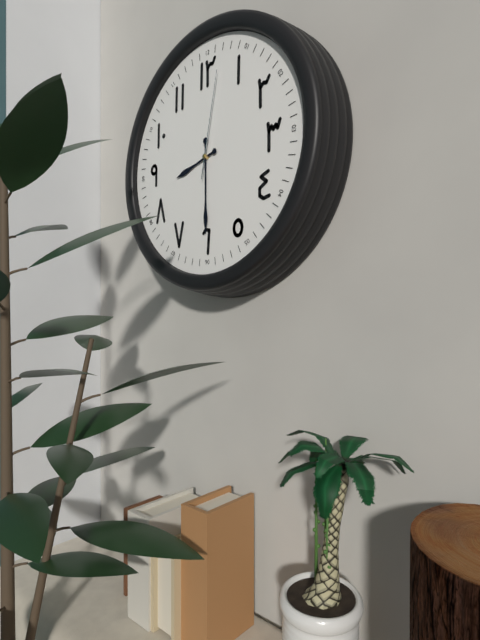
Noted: **8:30:02**
